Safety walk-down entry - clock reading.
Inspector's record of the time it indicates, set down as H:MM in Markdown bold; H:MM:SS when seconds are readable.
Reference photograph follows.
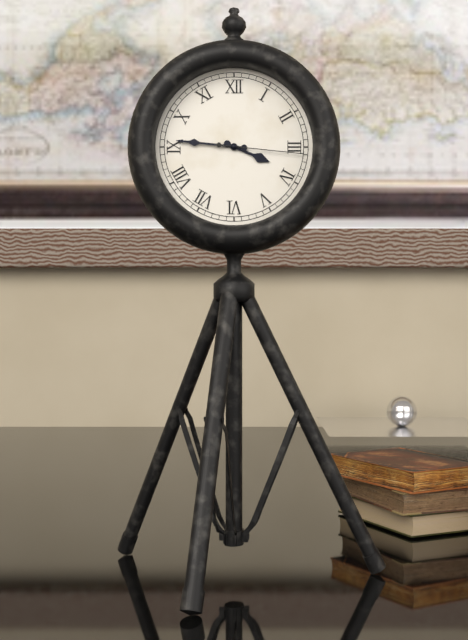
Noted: **3:46:16**
